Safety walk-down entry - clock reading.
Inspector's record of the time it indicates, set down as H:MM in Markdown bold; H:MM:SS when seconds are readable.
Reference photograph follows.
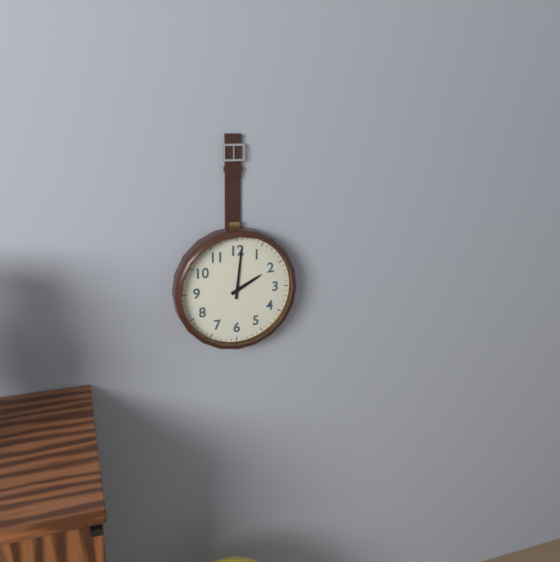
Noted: **2:01**
